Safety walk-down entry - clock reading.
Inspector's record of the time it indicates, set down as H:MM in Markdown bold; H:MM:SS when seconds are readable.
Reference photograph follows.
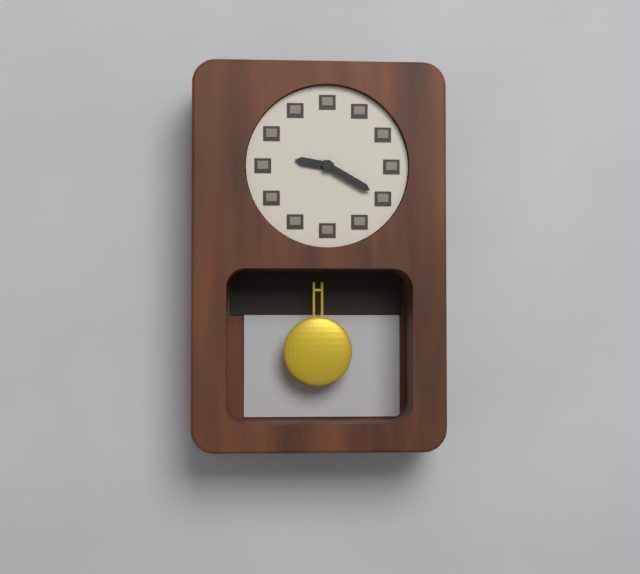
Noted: **9:20**
